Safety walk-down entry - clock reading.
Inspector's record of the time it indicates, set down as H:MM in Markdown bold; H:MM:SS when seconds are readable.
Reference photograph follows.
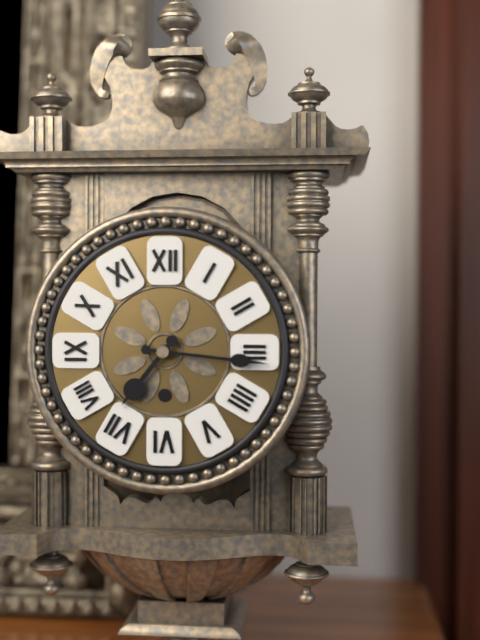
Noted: **7:16**
